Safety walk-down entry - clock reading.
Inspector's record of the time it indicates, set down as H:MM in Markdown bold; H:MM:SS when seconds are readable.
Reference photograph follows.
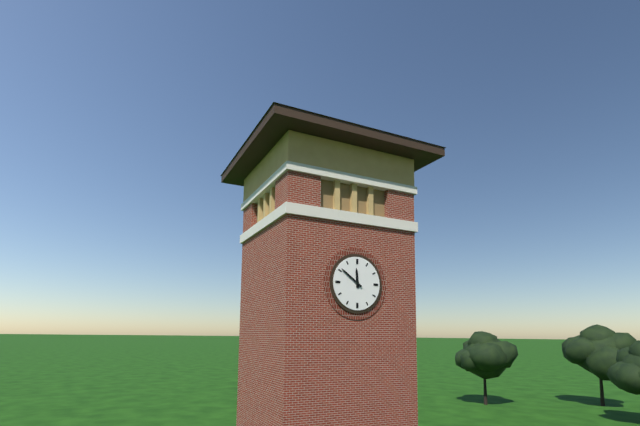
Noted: **11:51**
